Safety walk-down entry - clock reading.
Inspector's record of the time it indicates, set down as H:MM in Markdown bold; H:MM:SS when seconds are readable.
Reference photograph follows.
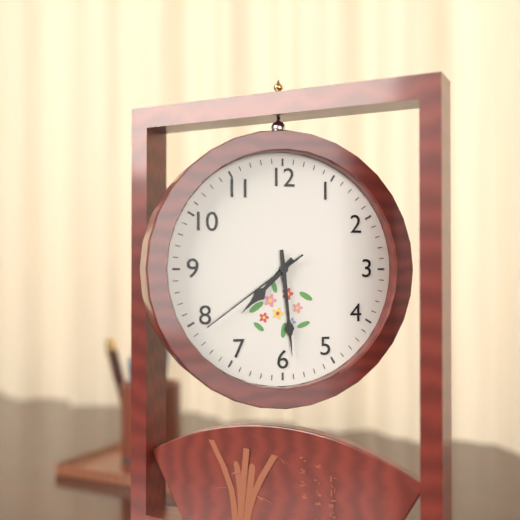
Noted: **7:29:39**
